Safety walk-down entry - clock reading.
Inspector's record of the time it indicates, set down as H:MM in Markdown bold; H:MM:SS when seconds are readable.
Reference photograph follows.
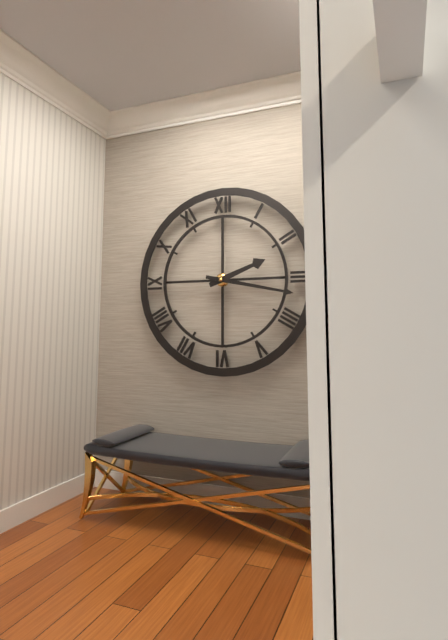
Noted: **2:17**
